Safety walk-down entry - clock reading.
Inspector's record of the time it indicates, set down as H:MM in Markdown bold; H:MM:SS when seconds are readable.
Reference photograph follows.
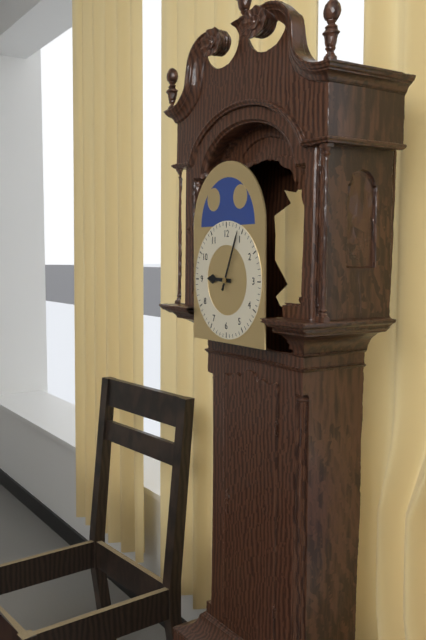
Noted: **9:04**
